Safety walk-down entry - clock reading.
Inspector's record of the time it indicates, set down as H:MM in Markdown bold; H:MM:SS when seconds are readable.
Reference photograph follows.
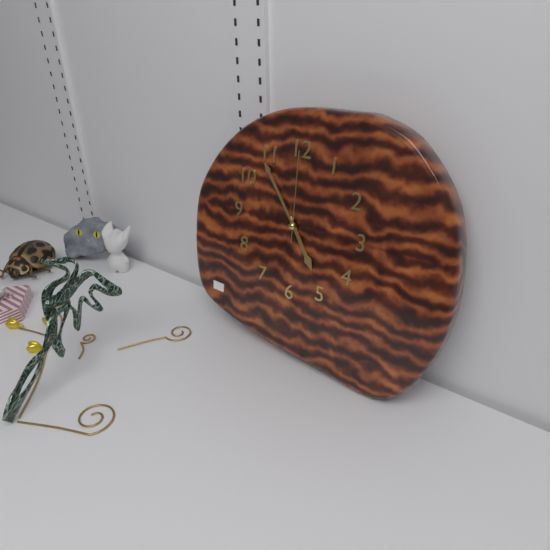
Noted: **4:54:00**
